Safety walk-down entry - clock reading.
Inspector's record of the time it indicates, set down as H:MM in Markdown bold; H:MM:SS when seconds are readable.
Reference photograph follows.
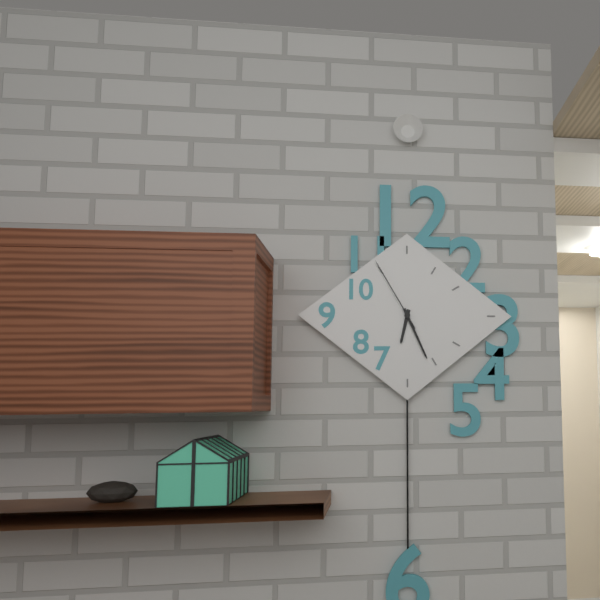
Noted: **6:26:55**
